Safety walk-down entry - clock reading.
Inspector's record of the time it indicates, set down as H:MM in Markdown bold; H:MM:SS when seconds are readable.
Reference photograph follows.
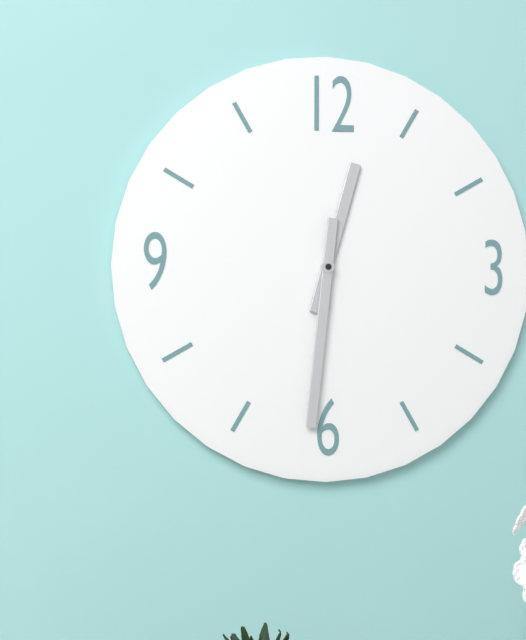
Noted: **12:31**
